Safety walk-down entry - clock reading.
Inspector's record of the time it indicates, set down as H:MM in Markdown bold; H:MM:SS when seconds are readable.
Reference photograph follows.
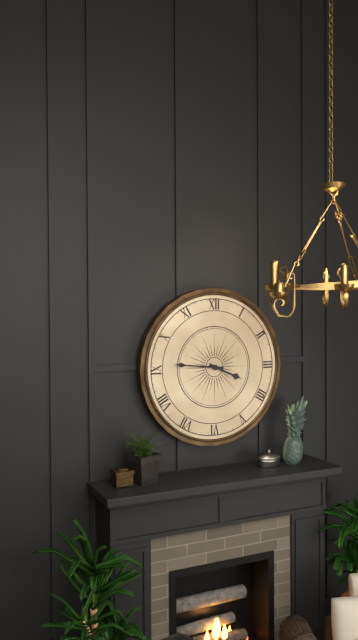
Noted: **3:46**
